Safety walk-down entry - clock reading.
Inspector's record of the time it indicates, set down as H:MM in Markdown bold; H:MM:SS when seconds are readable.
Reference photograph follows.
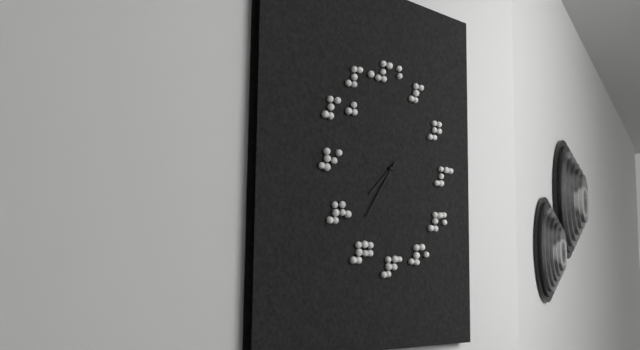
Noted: **7:36**
